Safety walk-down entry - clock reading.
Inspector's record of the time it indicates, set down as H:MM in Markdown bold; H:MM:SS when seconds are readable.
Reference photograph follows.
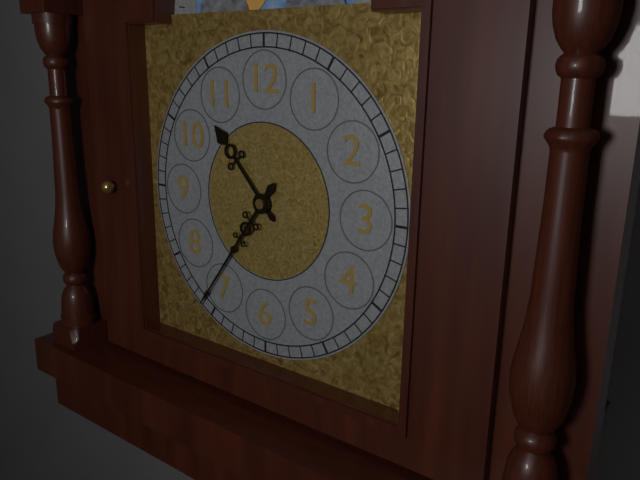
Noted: **10:36**
